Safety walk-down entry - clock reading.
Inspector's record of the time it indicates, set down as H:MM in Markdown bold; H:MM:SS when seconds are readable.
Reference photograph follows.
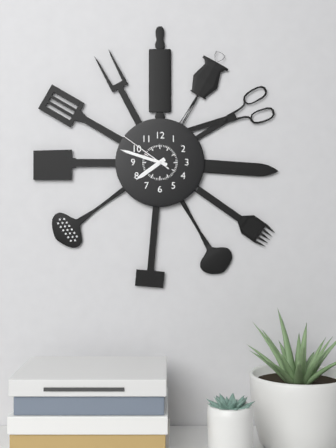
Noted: **7:48:51**
